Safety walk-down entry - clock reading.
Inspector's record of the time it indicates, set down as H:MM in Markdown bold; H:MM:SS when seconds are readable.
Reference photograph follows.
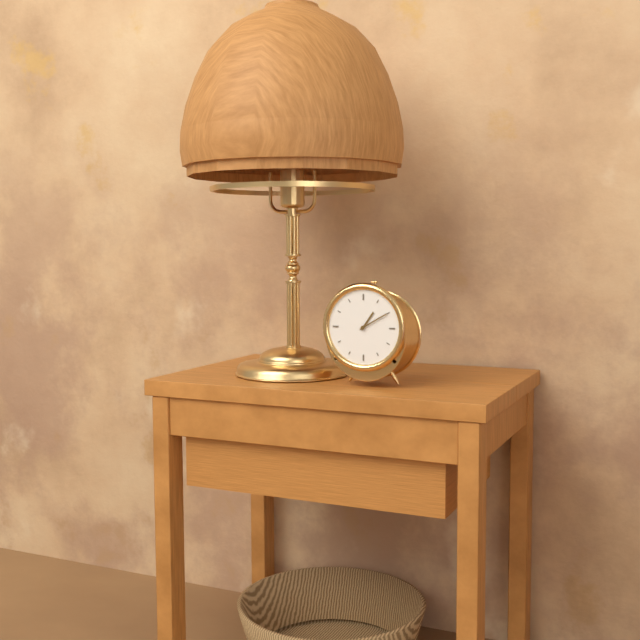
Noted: **1:10**
